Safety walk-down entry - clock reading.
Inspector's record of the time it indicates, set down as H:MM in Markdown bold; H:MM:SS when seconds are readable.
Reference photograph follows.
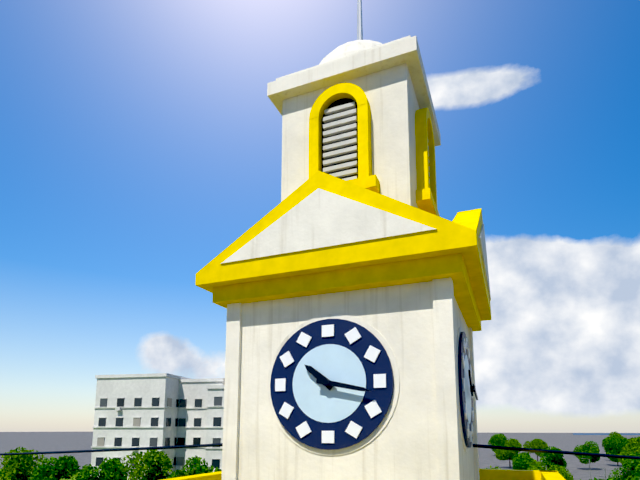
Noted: **10:17**
